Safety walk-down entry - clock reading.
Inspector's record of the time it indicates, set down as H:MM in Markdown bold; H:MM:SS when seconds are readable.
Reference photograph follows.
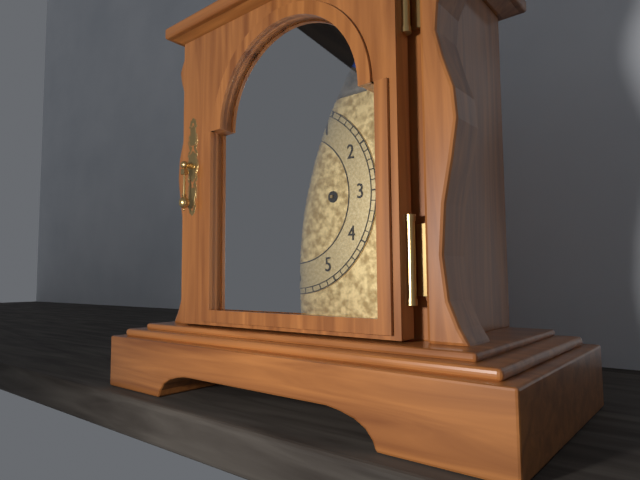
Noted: **7:38**
